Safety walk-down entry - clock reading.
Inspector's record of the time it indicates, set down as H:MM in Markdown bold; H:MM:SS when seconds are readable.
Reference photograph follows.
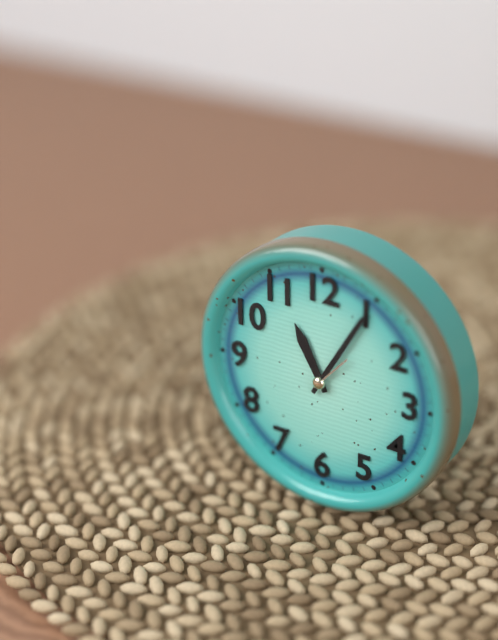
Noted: **11:05**
